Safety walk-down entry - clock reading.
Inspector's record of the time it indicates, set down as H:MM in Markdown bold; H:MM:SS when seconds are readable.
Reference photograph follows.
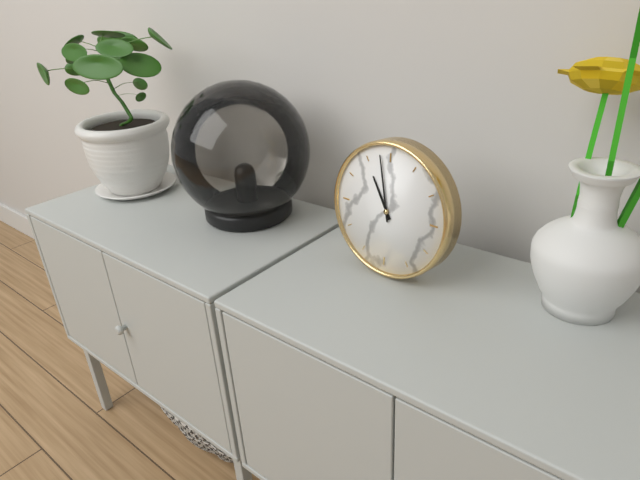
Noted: **10:58**
